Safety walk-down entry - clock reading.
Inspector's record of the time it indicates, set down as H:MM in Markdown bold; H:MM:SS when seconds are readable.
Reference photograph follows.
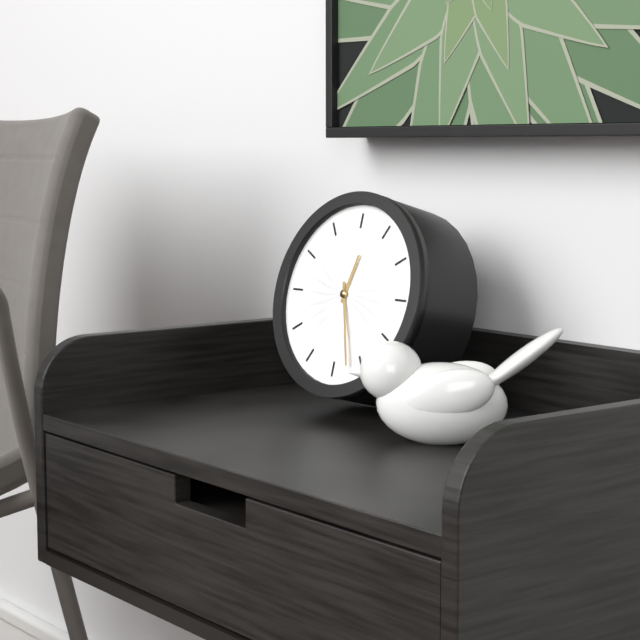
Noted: **12:27**
